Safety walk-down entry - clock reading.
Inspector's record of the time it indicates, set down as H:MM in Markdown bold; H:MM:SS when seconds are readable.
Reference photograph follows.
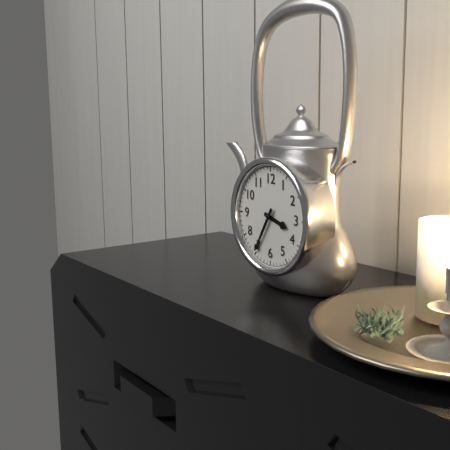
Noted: **3:35**
